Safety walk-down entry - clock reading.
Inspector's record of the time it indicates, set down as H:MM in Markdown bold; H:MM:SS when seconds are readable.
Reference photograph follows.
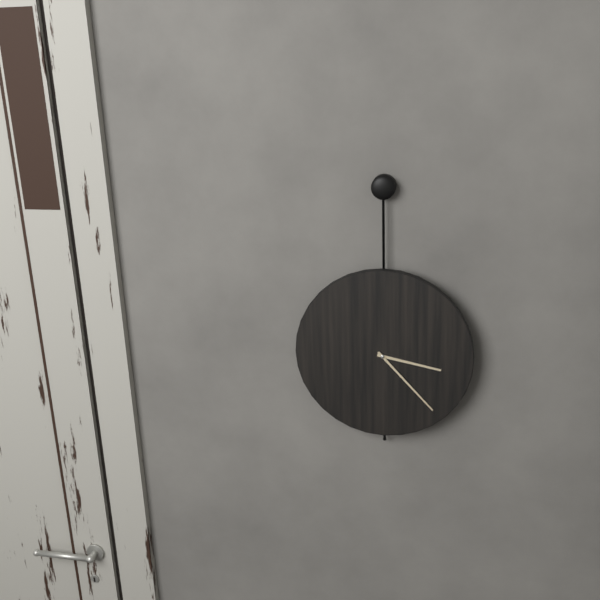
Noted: **3:23**
